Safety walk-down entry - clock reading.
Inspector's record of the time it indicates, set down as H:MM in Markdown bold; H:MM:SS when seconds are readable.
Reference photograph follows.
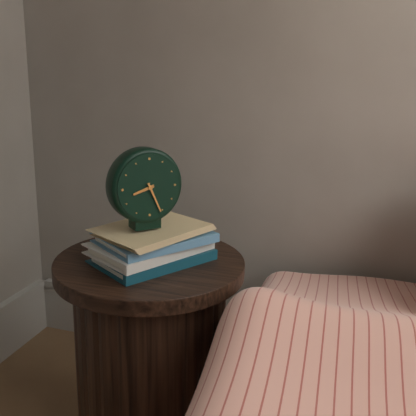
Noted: **8:26**
